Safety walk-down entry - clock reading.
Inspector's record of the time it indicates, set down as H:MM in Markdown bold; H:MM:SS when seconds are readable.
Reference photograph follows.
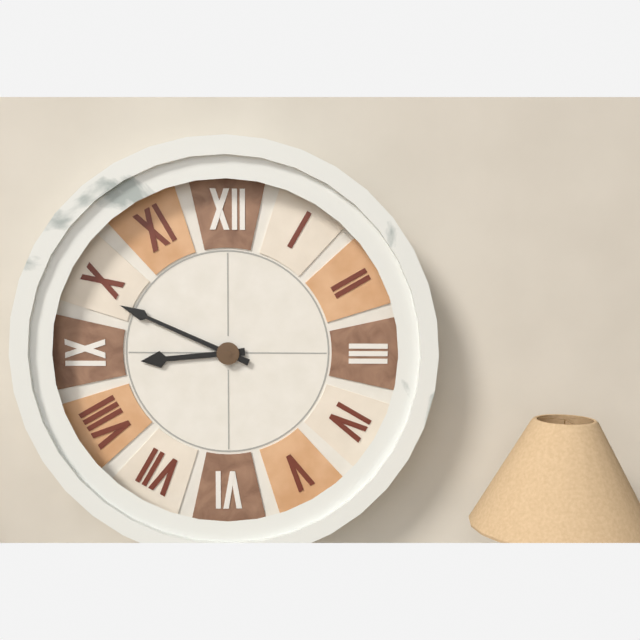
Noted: **8:49**
